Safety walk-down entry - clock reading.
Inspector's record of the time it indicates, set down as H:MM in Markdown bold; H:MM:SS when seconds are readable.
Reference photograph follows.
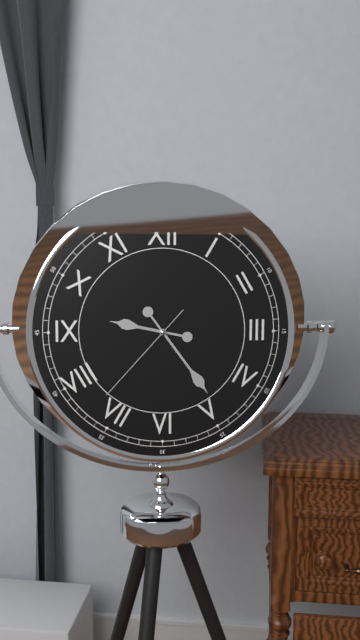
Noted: **9:24:37**
